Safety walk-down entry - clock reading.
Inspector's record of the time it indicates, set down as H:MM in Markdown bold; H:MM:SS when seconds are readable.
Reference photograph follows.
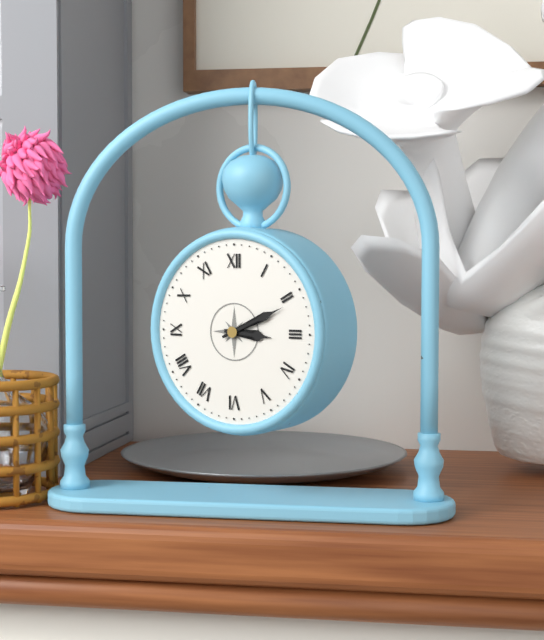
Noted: **3:11**
